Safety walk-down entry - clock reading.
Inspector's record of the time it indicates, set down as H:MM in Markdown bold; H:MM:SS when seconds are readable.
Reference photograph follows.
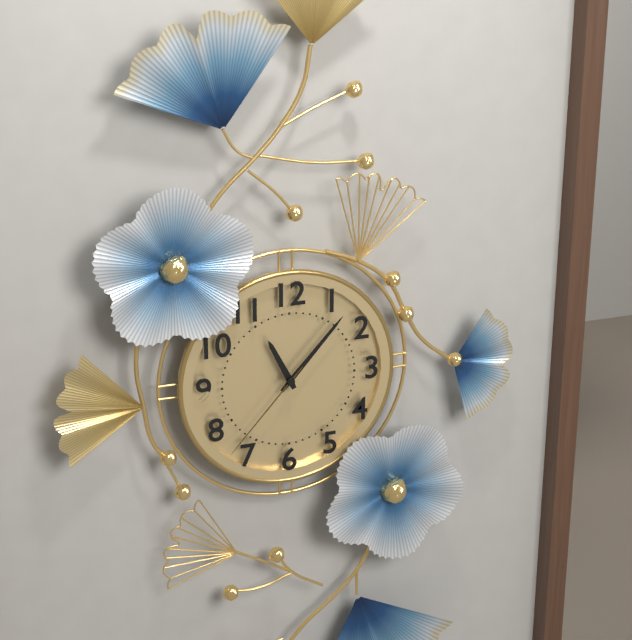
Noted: **11:07:37**
